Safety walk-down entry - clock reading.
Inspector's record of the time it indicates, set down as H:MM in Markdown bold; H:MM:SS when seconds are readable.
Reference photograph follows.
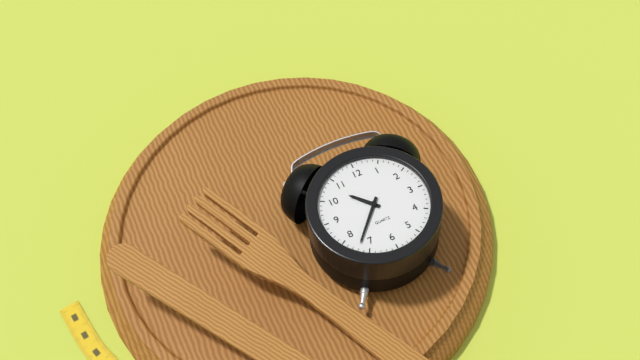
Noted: **10:37**
